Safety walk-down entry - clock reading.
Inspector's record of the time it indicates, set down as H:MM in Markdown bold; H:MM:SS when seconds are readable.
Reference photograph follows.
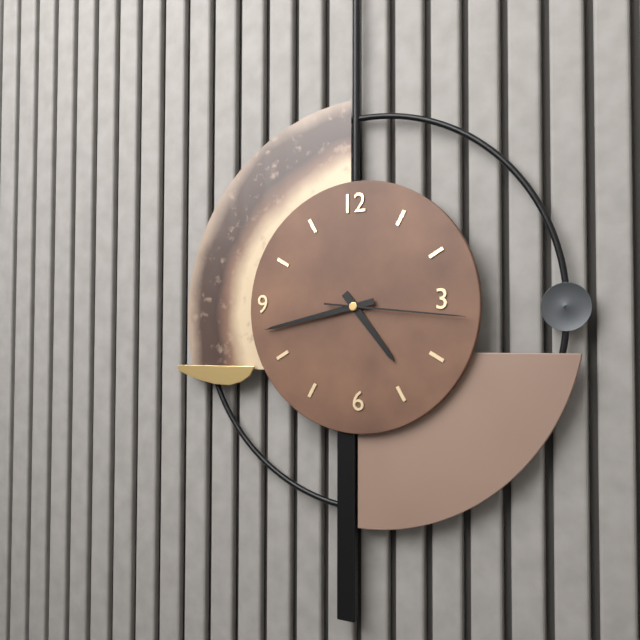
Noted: **4:43:16**
